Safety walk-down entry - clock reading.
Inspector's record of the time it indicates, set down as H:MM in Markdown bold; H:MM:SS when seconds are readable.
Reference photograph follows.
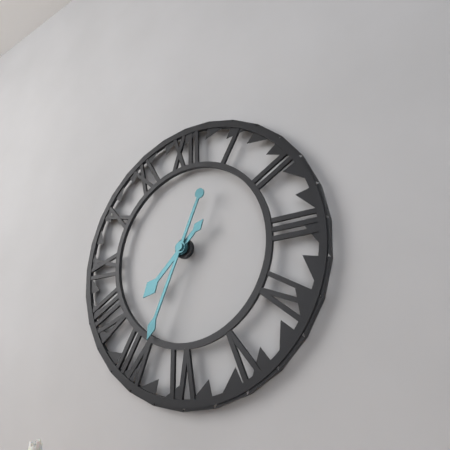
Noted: **7:34**
